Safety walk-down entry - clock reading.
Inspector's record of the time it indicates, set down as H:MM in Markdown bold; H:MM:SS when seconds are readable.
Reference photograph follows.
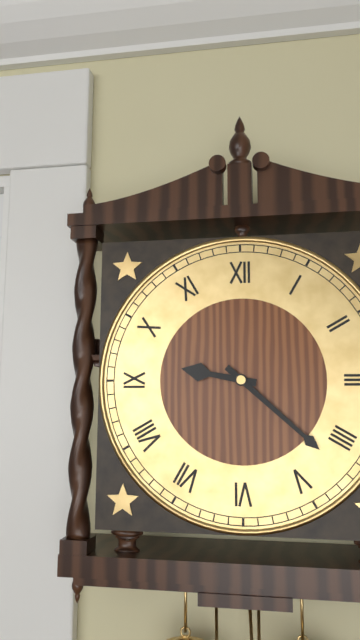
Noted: **9:22**
